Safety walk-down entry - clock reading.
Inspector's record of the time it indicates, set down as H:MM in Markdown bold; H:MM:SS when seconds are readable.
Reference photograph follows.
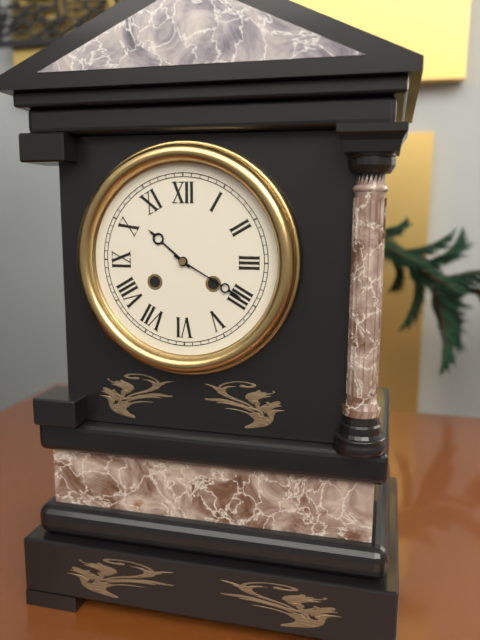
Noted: **10:20**
